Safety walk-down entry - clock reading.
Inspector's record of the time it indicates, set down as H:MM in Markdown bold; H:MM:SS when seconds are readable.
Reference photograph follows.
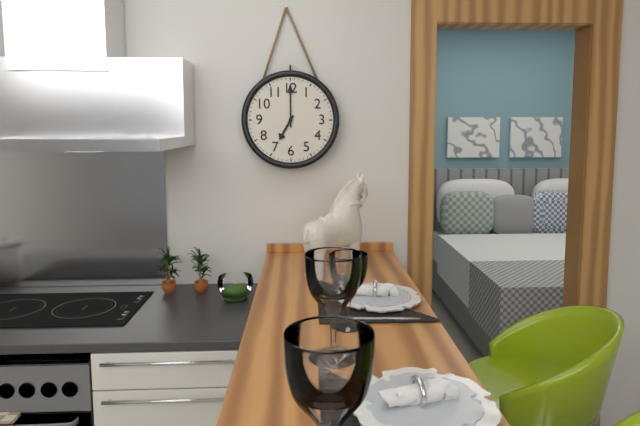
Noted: **7:00**
